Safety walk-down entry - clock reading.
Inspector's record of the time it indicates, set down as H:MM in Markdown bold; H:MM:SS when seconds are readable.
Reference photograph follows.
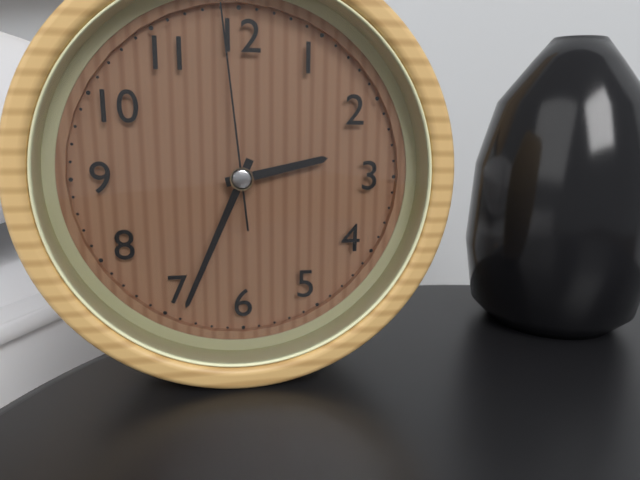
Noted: **2:34:59**
